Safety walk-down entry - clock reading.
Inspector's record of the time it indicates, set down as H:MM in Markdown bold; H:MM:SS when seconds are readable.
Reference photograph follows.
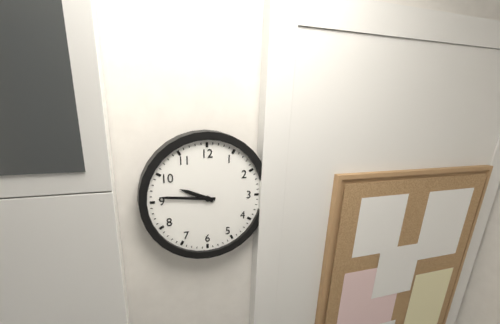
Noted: **9:46**
